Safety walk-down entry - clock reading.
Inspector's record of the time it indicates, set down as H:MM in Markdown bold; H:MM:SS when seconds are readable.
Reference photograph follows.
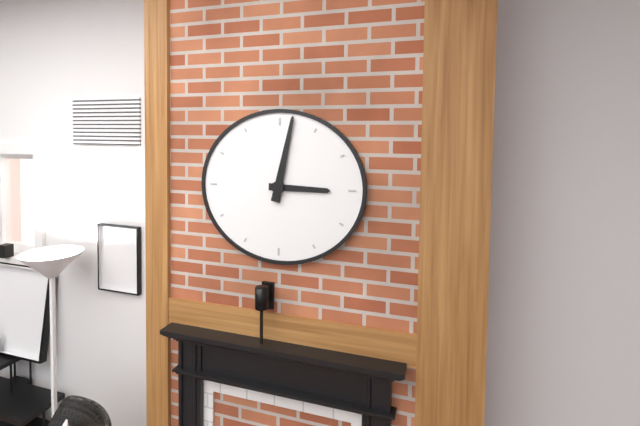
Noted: **3:02**
